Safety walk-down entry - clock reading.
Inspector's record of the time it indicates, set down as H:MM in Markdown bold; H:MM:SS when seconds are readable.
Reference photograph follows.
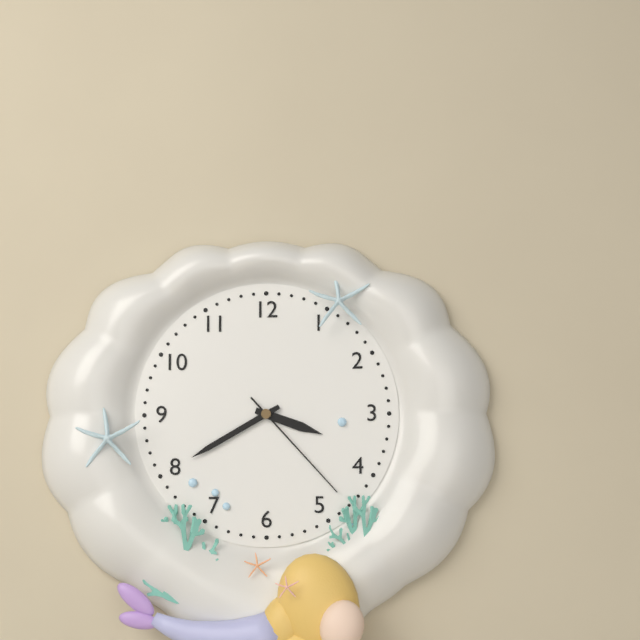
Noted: **3:40:23**
